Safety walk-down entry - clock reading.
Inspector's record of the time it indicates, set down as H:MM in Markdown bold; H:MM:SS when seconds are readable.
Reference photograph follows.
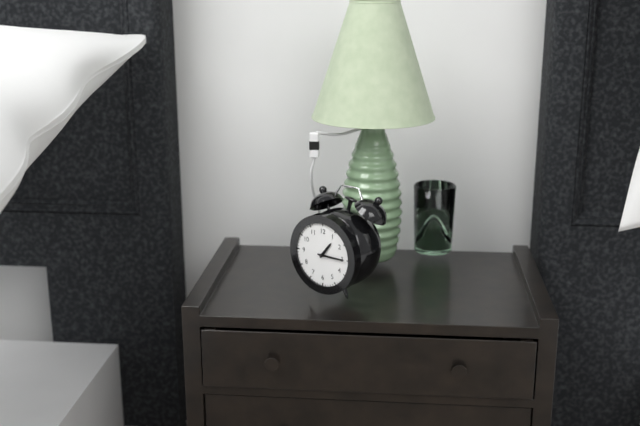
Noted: **1:15**
